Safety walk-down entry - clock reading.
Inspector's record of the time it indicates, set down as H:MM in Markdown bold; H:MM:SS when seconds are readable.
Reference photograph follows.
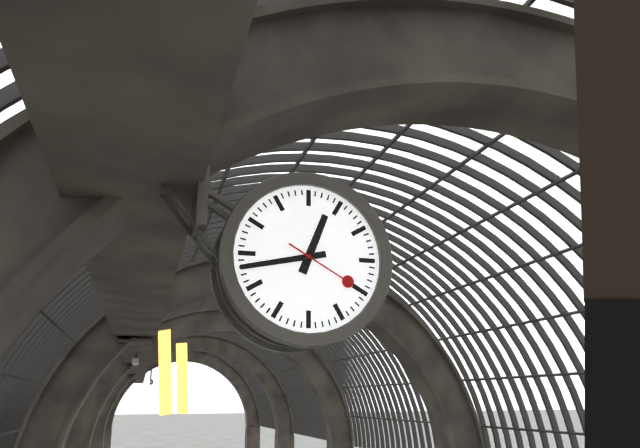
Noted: **12:43:20**
